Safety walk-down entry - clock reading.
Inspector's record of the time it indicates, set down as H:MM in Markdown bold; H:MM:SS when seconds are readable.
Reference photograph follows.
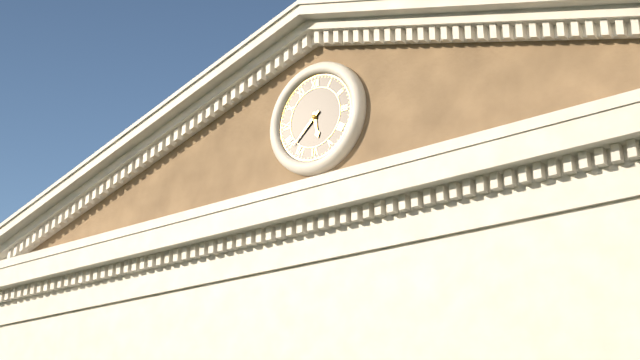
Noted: **5:38**
